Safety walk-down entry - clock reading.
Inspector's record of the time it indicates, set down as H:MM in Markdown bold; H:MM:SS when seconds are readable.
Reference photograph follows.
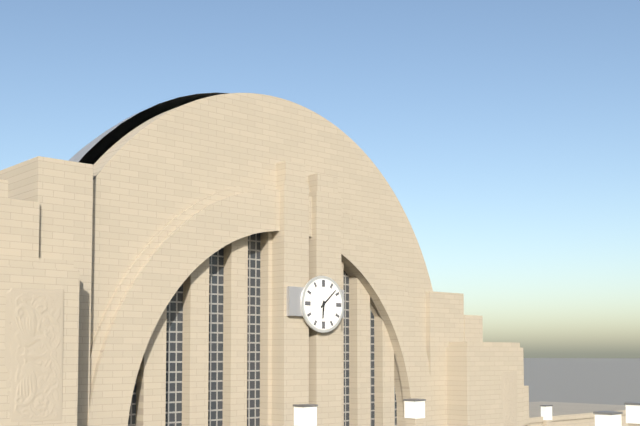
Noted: **6:08**
